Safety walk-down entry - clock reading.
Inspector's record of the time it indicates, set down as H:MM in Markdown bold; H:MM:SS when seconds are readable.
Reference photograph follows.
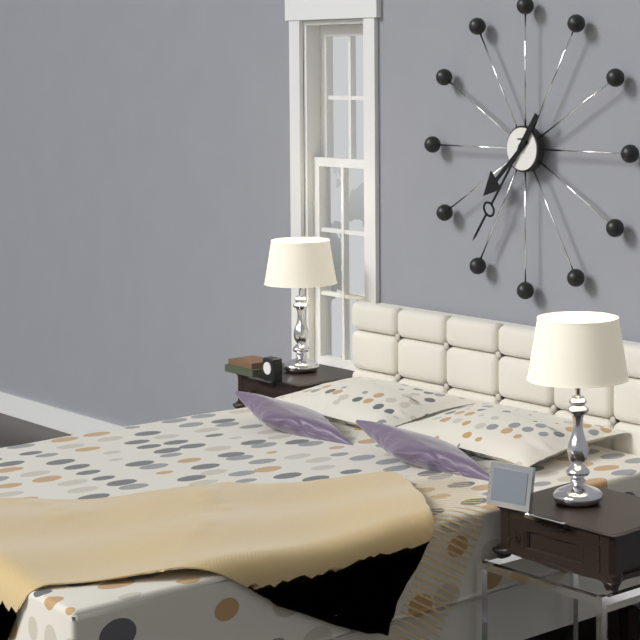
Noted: **7:36**
